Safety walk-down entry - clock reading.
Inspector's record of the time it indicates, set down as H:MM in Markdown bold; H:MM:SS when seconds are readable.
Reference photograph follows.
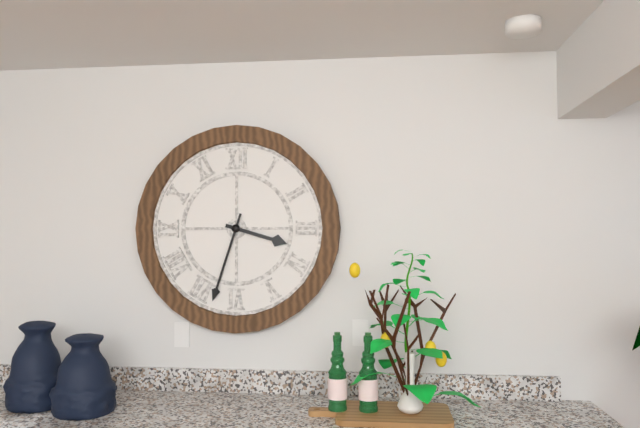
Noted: **3:33**
